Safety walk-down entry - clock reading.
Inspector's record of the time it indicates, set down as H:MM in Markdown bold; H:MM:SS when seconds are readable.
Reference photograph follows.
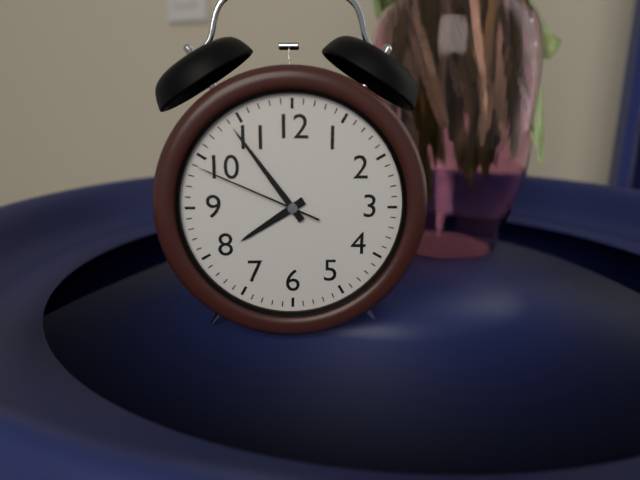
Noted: **7:54:49**
